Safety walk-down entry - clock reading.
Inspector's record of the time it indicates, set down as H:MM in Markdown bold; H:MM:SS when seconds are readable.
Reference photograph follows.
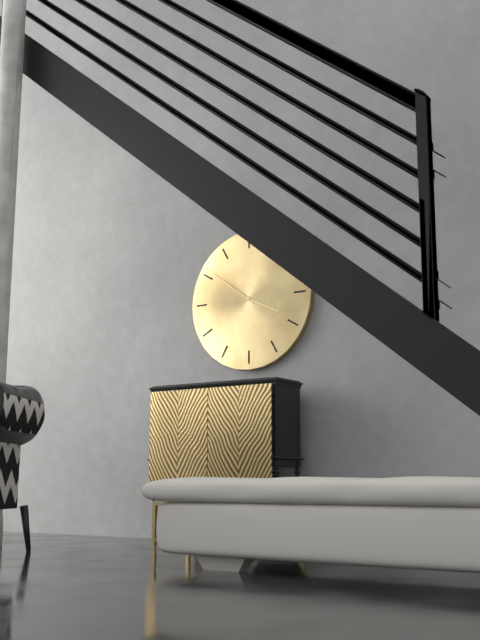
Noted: **3:51**
